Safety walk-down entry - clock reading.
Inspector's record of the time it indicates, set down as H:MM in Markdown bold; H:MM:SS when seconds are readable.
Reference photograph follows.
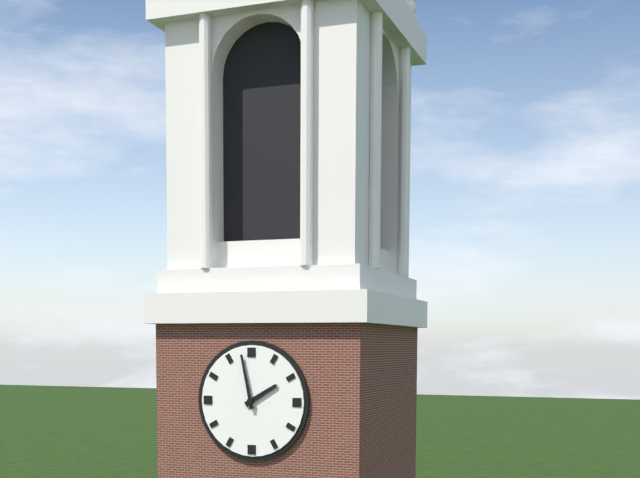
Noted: **1:58**
